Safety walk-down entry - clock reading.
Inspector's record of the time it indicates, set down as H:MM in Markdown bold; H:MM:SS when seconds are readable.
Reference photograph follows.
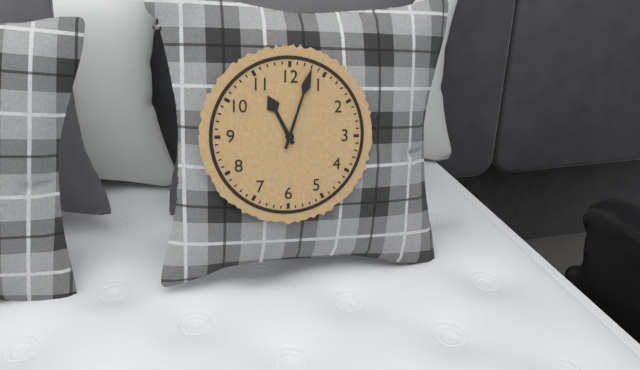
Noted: **11:03**
